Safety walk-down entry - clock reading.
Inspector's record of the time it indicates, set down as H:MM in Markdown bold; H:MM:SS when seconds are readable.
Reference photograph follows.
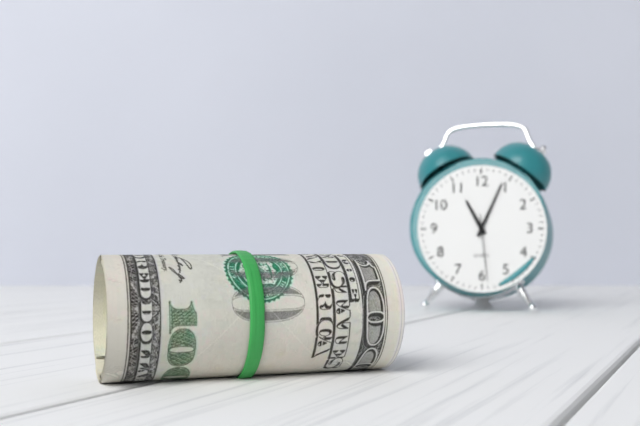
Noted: **11:04:29**
